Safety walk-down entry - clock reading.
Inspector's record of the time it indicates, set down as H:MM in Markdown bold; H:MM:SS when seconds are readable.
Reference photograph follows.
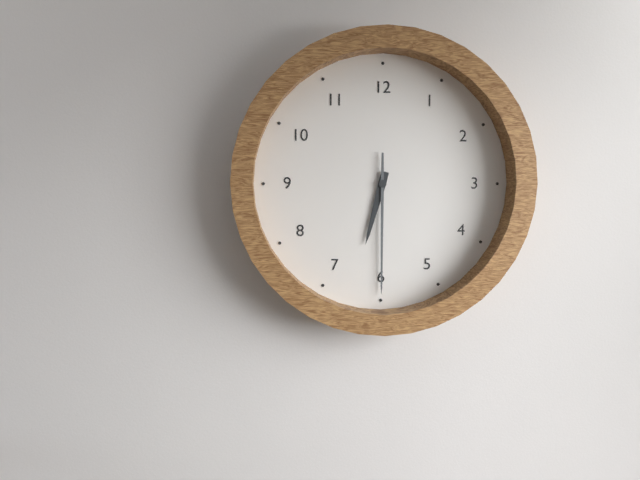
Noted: **6:30**
